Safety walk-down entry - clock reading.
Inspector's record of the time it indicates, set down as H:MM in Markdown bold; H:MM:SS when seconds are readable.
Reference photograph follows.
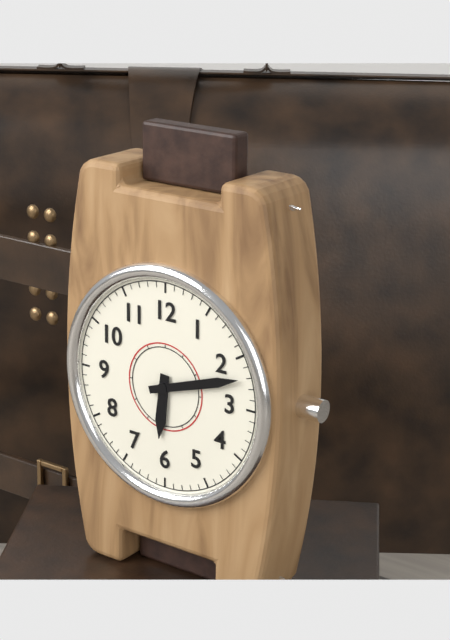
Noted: **6:12**
